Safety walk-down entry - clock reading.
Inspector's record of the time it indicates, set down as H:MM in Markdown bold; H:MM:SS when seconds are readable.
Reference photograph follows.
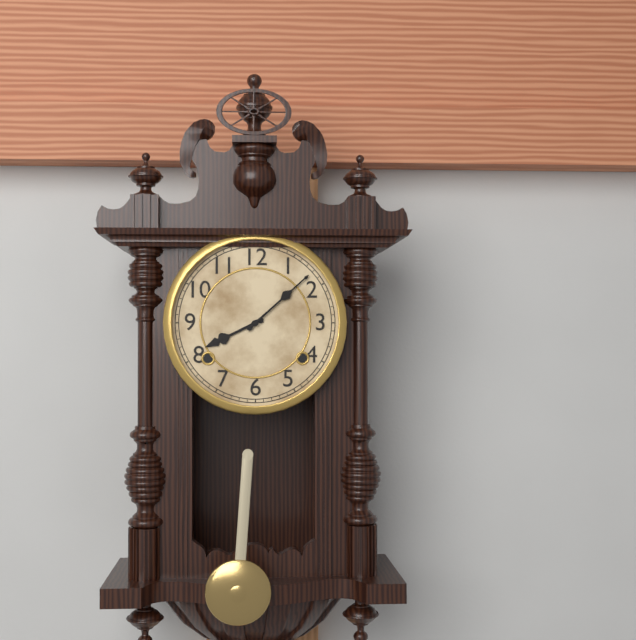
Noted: **8:08**
